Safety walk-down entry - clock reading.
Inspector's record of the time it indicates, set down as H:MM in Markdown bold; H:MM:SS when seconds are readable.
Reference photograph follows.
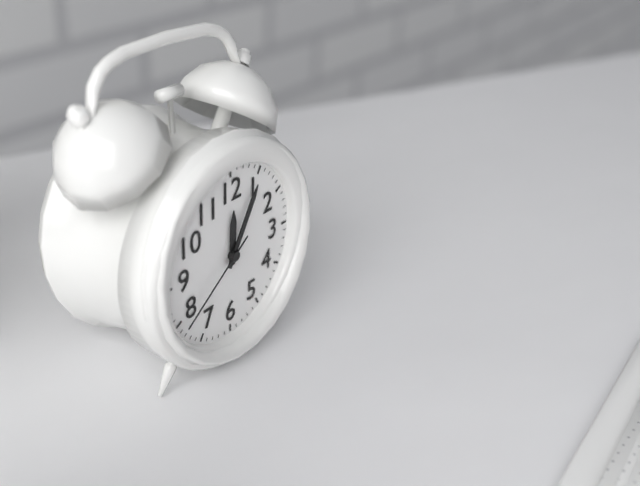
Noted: **12:05:39**
